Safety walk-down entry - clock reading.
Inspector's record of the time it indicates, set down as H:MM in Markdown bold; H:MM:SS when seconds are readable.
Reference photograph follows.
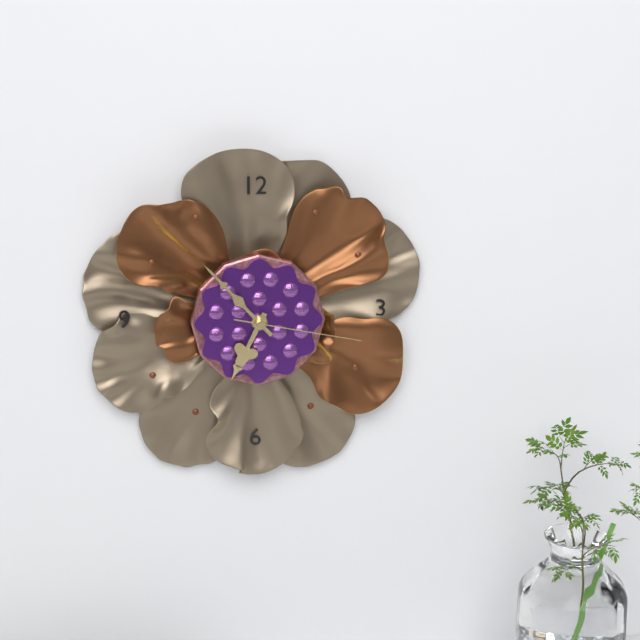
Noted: **6:53:17**
